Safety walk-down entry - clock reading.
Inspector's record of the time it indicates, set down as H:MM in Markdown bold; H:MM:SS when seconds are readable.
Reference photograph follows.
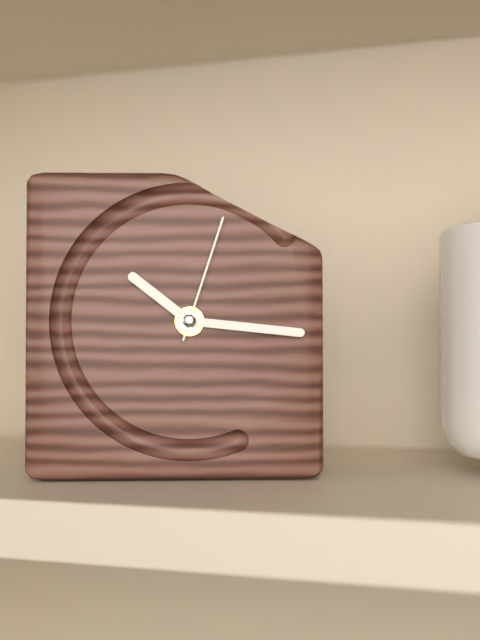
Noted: **10:16:03**
